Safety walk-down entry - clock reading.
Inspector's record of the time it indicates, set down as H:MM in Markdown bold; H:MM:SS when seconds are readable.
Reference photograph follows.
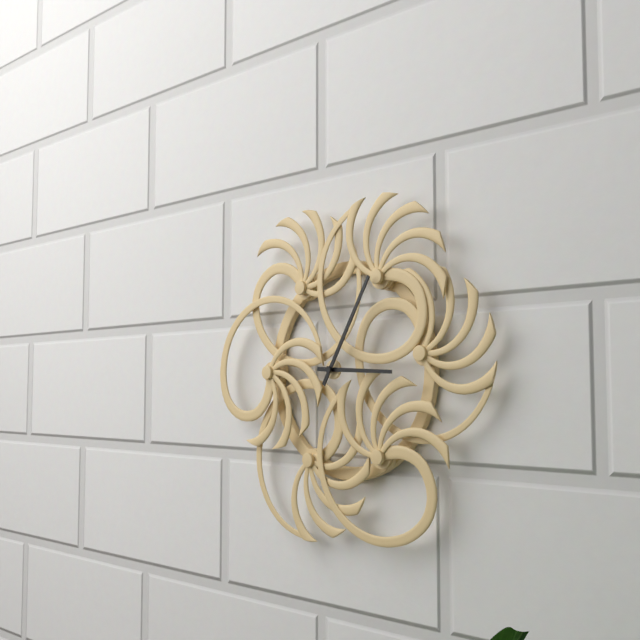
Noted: **3:05**
